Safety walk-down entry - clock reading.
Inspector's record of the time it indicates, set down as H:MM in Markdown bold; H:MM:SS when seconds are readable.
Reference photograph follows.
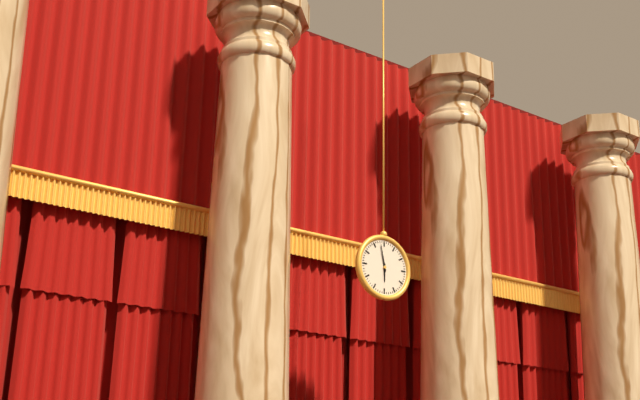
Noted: **5:58**
